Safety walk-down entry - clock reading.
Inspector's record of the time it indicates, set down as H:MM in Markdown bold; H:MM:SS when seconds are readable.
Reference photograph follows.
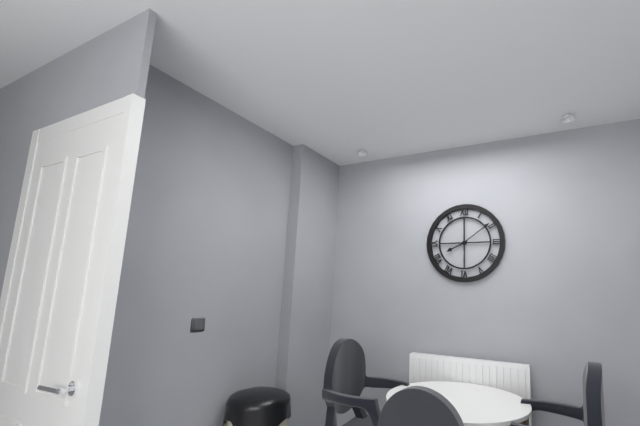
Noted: **8:09**
